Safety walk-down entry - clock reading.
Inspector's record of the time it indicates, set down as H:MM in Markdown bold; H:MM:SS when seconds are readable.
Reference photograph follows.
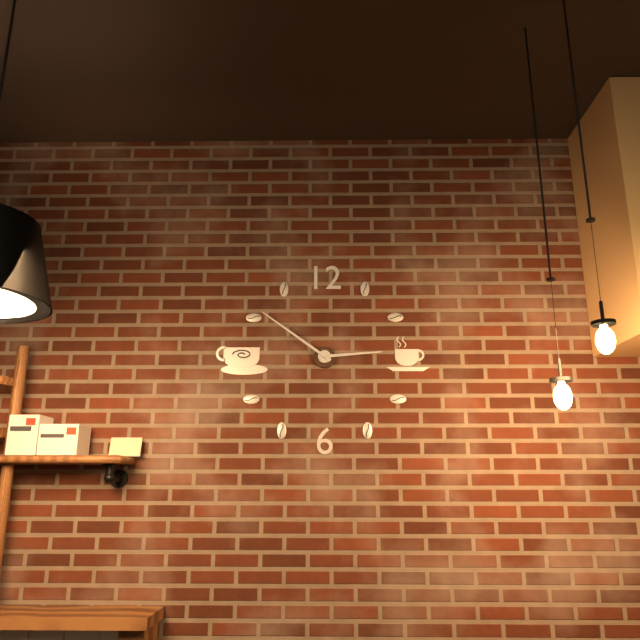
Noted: **2:51**
